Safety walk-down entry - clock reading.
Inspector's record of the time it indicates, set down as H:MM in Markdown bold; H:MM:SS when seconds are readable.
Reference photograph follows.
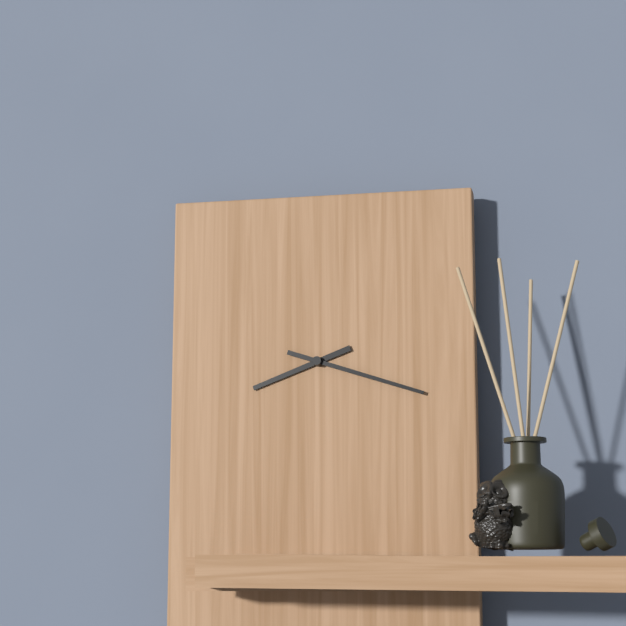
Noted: **8:18**
